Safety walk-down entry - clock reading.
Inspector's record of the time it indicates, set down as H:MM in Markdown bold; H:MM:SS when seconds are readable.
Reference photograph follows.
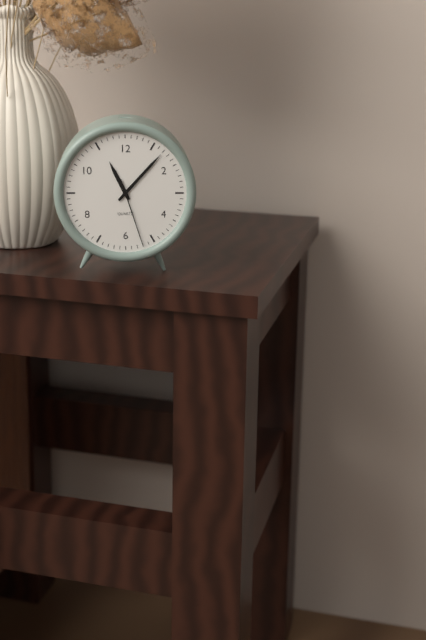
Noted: **11:07:27**
